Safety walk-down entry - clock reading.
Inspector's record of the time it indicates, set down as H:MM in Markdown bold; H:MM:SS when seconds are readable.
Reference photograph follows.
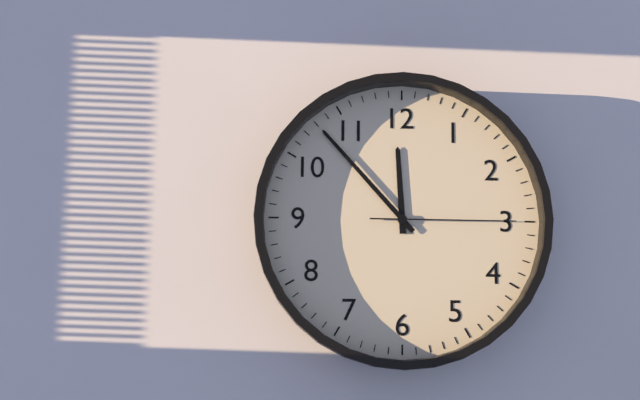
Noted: **11:53:15**
